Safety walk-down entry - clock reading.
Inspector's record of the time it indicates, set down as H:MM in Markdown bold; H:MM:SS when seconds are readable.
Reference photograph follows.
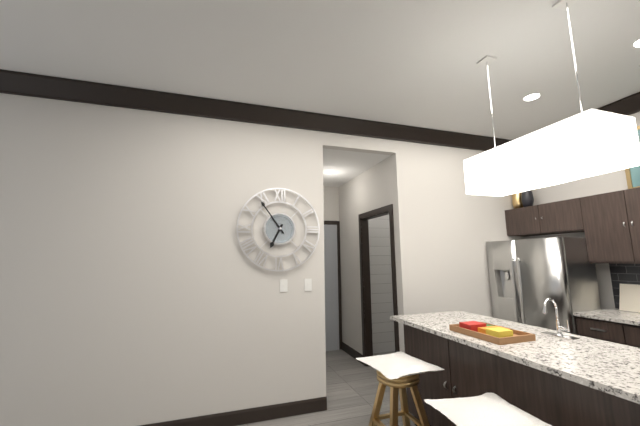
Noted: **6:54**
